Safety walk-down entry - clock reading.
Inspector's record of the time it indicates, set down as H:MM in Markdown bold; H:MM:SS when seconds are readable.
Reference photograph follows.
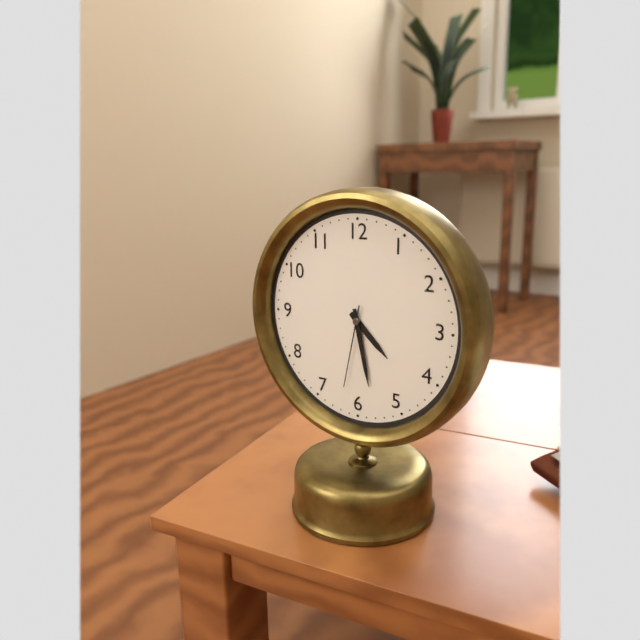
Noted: **4:28:32**
